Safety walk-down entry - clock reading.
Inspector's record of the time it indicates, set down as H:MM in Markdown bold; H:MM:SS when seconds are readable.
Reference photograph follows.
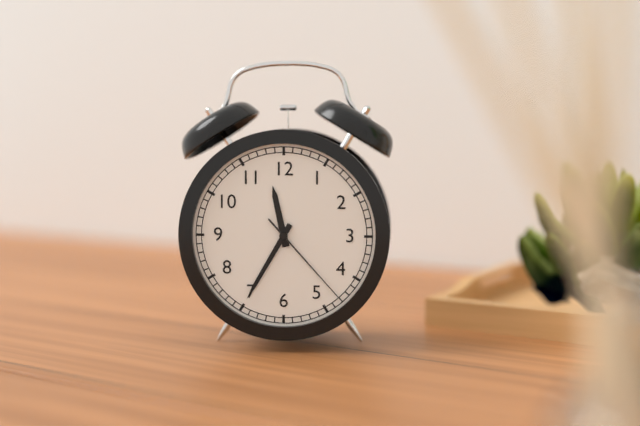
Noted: **11:35:23**
